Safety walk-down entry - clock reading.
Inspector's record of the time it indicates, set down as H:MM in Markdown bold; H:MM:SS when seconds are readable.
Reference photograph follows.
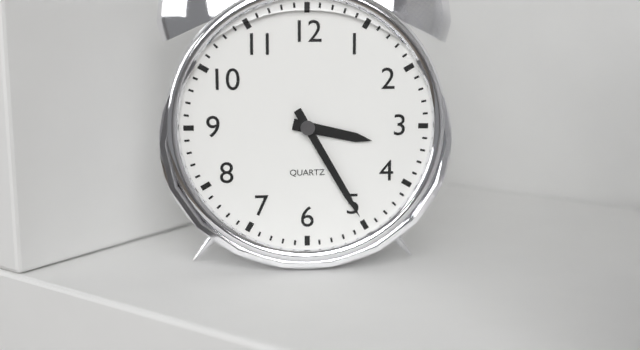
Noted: **3:25**
